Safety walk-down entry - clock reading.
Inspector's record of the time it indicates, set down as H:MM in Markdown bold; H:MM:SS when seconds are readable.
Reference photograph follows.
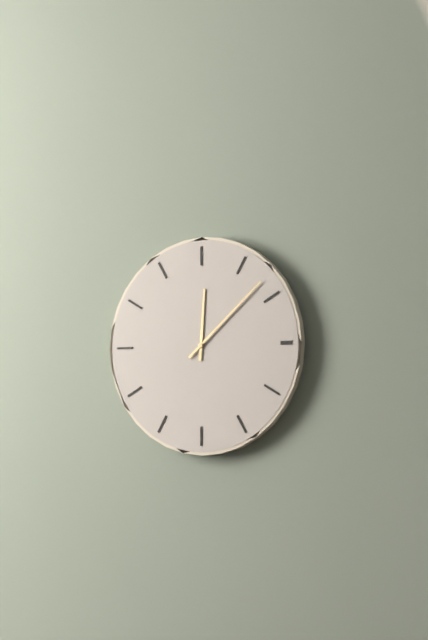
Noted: **12:08**
